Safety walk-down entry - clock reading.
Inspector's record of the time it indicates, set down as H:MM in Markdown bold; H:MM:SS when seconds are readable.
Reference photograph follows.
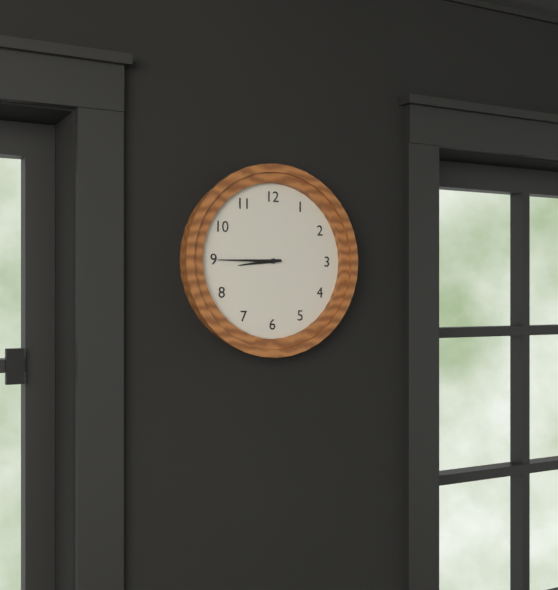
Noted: **8:45**
